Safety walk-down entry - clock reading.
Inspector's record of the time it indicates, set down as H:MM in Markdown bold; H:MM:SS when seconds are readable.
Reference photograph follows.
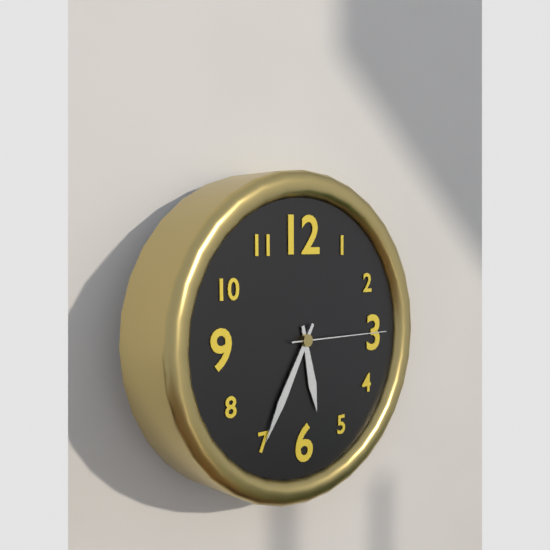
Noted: **5:35:15**
